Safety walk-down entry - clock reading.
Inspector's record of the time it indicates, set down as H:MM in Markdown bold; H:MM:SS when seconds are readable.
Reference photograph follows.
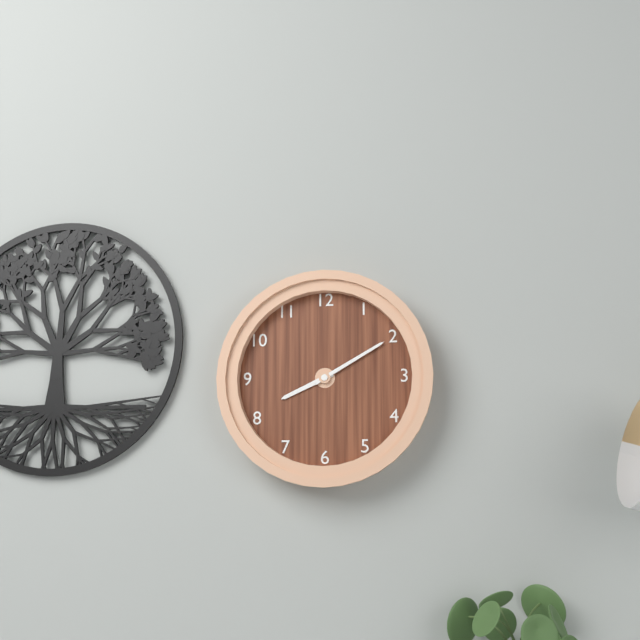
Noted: **8:10**
